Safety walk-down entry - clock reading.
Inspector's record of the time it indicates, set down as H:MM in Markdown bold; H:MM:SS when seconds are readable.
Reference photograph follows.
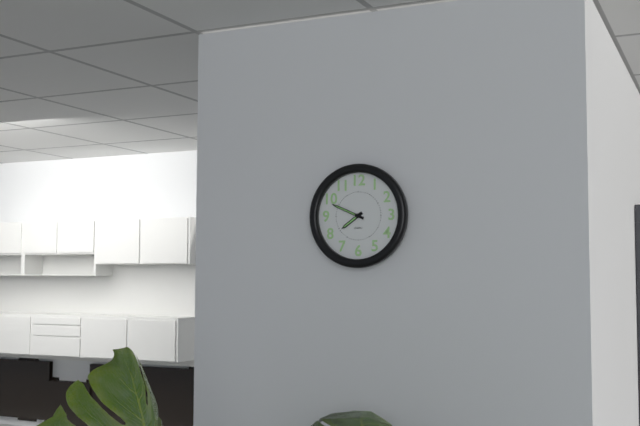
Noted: **7:49**
